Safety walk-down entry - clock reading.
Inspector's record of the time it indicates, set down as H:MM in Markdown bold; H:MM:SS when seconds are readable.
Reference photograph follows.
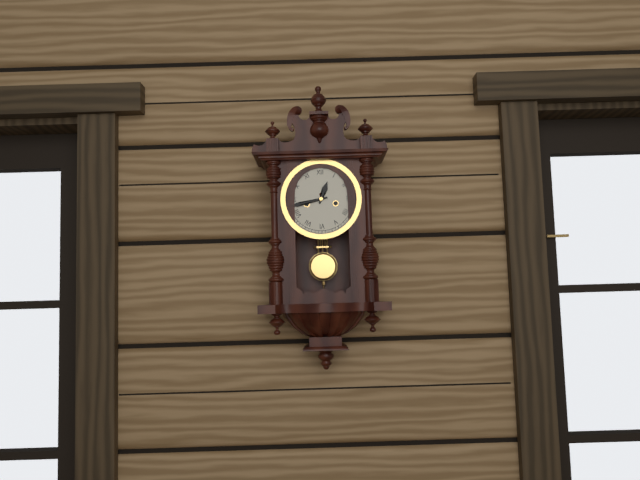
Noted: **12:43**
